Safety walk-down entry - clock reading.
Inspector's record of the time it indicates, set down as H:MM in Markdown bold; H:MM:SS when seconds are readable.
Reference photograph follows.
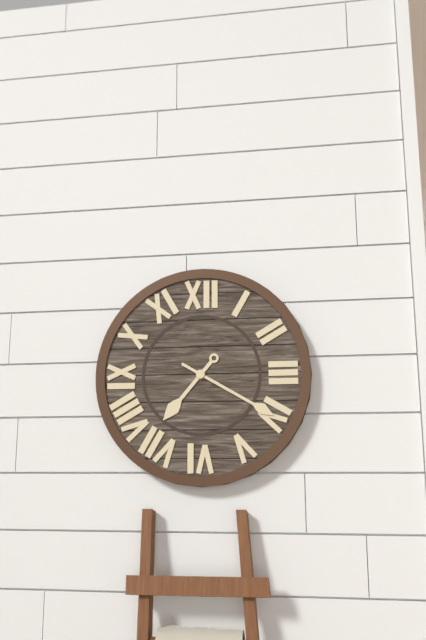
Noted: **7:20**
